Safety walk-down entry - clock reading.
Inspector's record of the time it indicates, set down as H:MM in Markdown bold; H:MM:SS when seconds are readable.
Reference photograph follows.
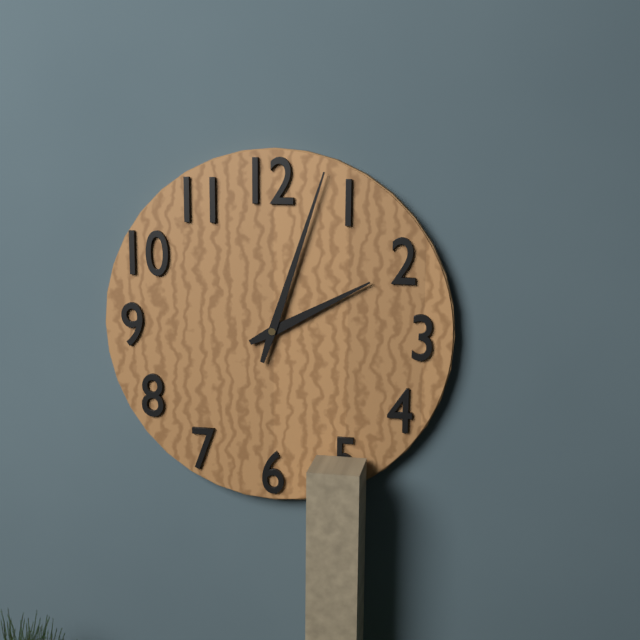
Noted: **2:03**
